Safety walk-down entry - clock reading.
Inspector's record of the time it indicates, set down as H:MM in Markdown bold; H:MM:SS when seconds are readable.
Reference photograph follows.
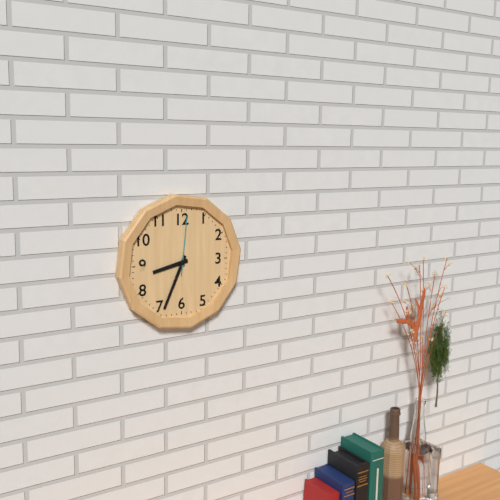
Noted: **8:34:01**
